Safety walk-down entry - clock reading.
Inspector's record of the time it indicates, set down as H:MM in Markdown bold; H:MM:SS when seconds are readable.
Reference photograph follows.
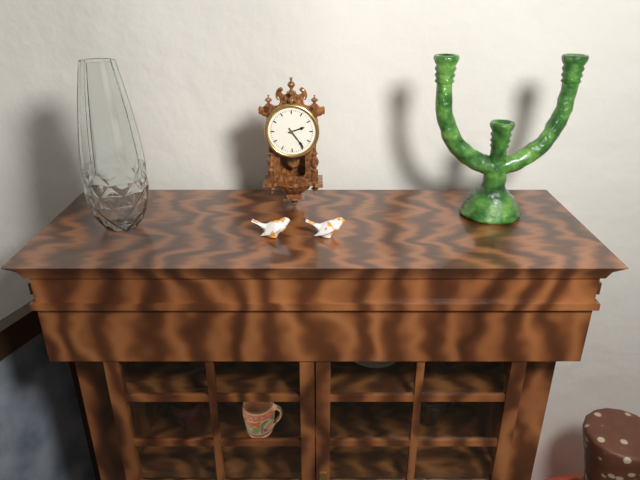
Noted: **2:24**
